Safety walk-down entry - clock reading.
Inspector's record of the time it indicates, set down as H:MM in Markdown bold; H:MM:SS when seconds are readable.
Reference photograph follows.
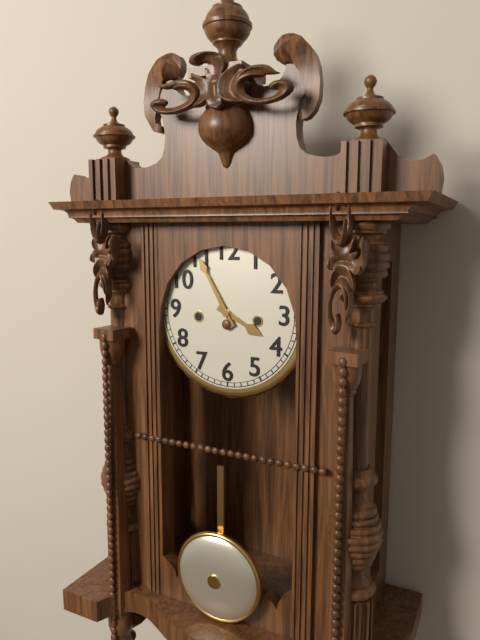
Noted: **3:55**
